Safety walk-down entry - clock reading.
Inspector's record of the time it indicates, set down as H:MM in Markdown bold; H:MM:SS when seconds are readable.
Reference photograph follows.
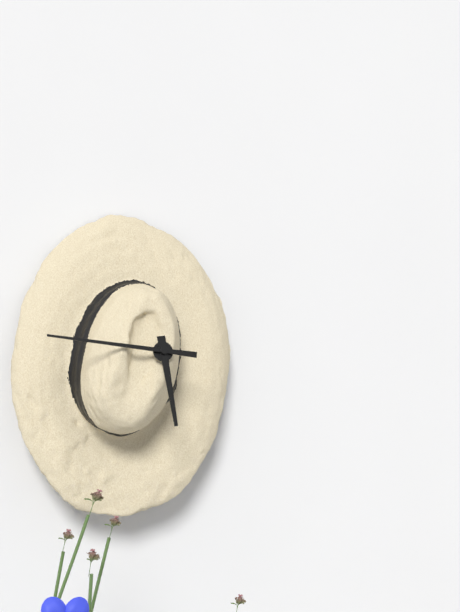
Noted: **5:46**
